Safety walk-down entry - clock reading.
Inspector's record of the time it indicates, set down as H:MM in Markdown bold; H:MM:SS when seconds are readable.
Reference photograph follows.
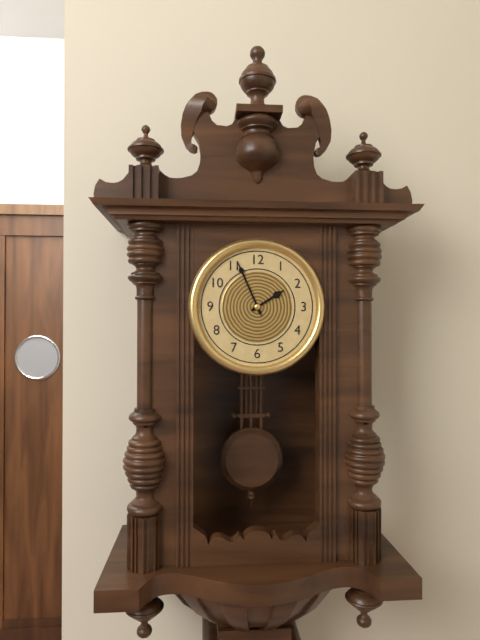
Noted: **1:56**
